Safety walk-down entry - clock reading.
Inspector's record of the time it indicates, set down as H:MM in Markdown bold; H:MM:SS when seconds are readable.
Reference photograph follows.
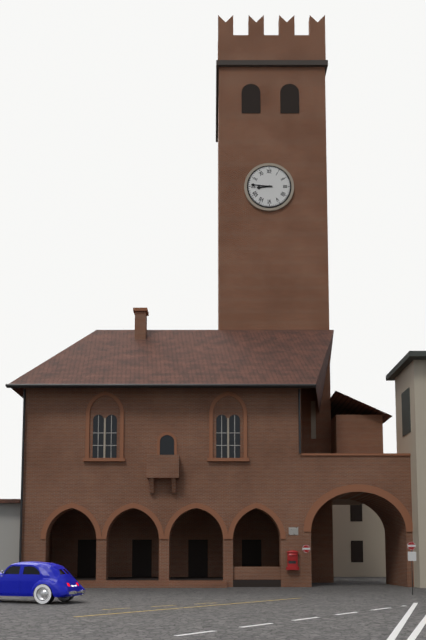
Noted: **8:46**
